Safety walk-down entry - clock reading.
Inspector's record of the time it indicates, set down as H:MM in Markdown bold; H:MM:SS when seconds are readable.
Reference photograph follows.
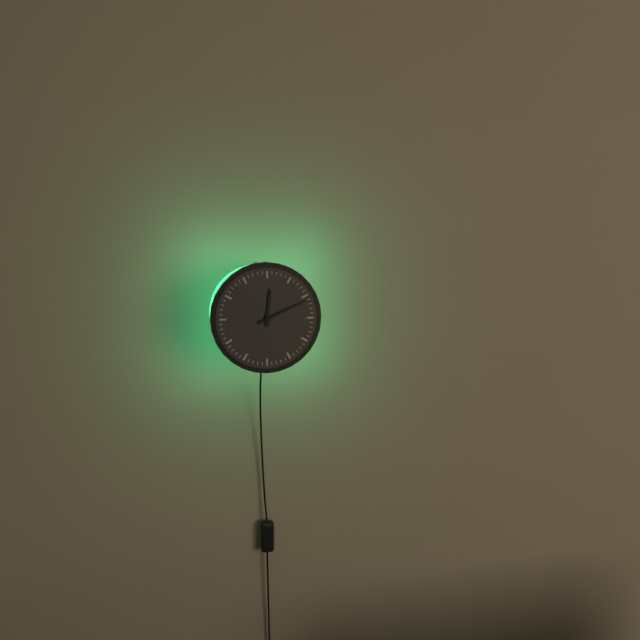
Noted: **12:11**
